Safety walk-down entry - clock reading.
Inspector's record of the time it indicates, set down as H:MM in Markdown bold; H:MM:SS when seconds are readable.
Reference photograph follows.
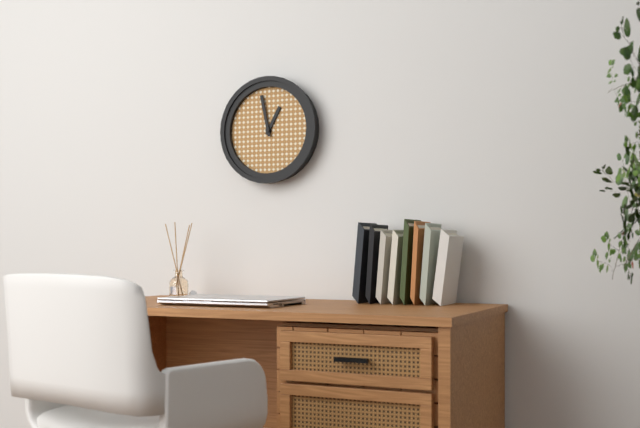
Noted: **12:58**
